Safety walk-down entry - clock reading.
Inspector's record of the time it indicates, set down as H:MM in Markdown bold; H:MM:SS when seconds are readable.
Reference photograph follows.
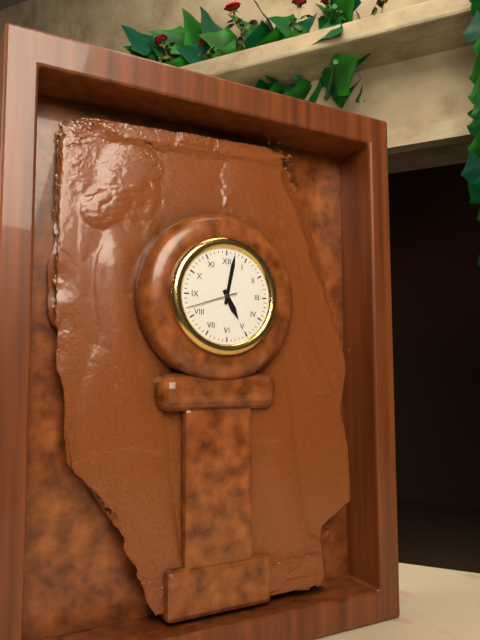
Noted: **5:02:42**
